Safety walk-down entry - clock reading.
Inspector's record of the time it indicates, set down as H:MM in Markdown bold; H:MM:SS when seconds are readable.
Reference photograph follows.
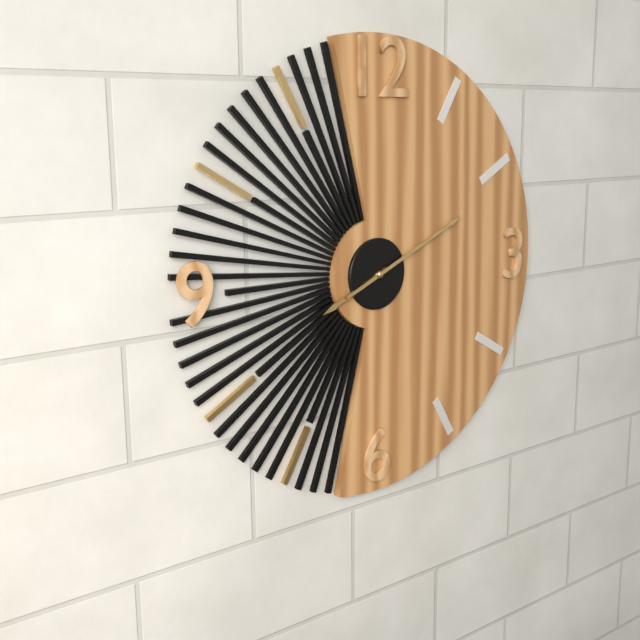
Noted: **8:11**
